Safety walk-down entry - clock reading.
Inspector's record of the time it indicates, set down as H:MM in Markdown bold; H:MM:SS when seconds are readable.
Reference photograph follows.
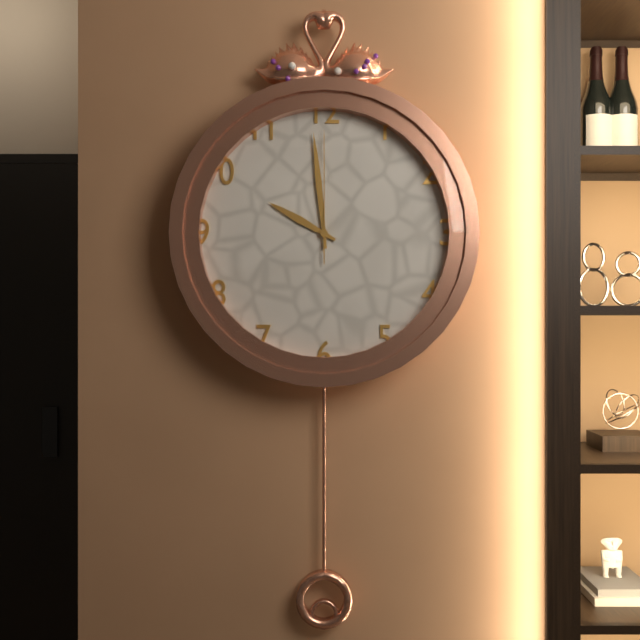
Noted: **9:59:00**
